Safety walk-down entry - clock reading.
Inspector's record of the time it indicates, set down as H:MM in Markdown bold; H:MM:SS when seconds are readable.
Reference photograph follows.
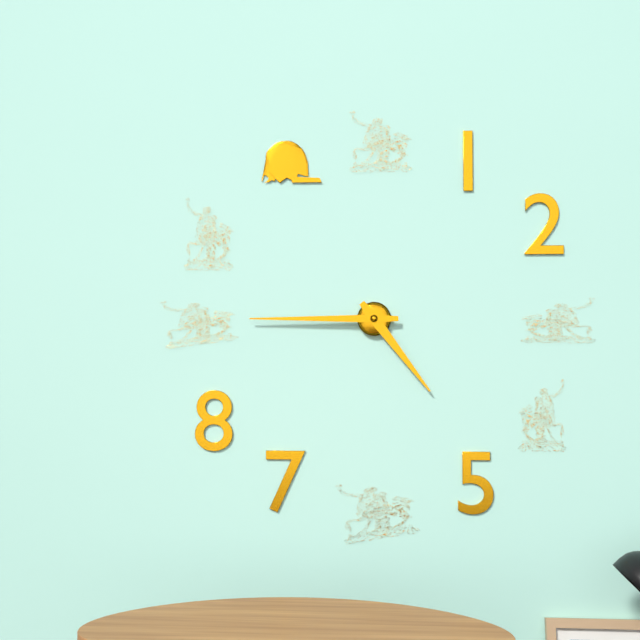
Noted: **4:45**
